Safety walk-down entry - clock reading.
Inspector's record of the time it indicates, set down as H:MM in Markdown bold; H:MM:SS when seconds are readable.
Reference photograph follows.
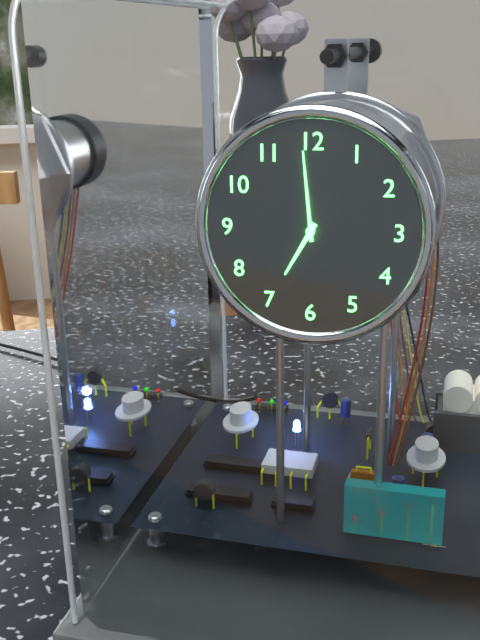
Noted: **6:59**
